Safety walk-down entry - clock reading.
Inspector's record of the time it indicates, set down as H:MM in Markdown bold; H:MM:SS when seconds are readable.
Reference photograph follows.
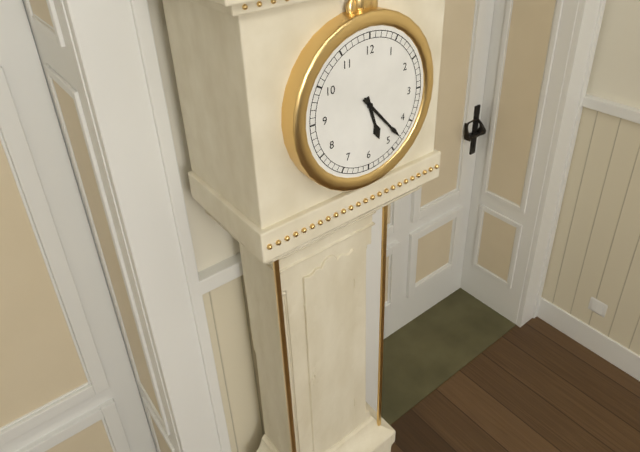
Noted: **5:23**
